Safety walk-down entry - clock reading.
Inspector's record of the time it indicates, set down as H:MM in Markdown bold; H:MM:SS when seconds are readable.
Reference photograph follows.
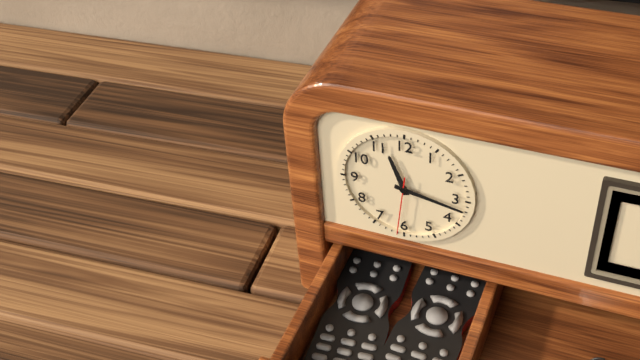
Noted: **11:17:31**
